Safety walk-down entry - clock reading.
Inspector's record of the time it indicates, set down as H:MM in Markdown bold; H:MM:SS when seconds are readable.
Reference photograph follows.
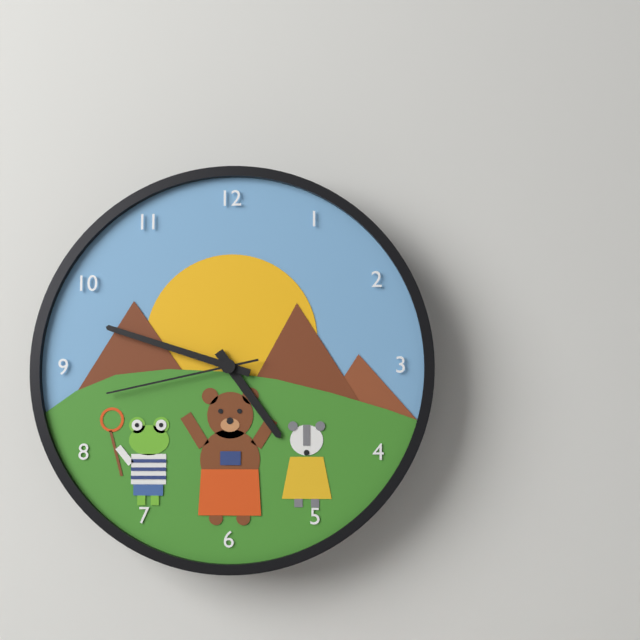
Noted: **4:48:43**
